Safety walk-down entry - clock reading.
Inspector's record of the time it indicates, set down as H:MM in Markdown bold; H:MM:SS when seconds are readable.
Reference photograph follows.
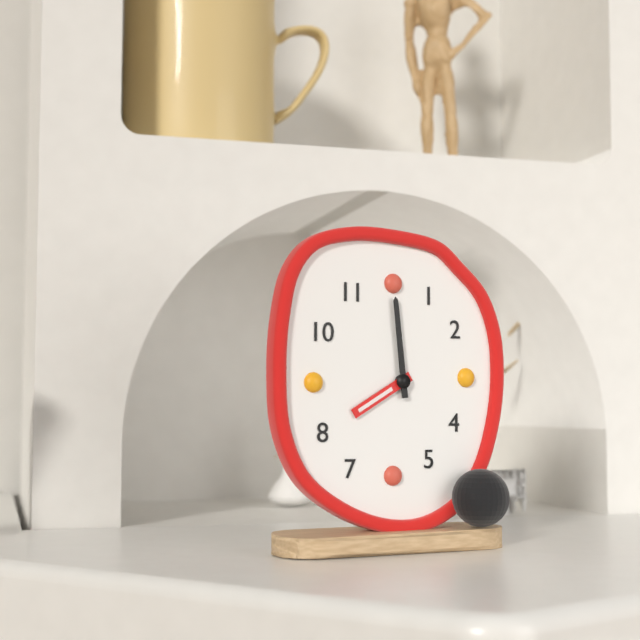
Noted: **7:59**
